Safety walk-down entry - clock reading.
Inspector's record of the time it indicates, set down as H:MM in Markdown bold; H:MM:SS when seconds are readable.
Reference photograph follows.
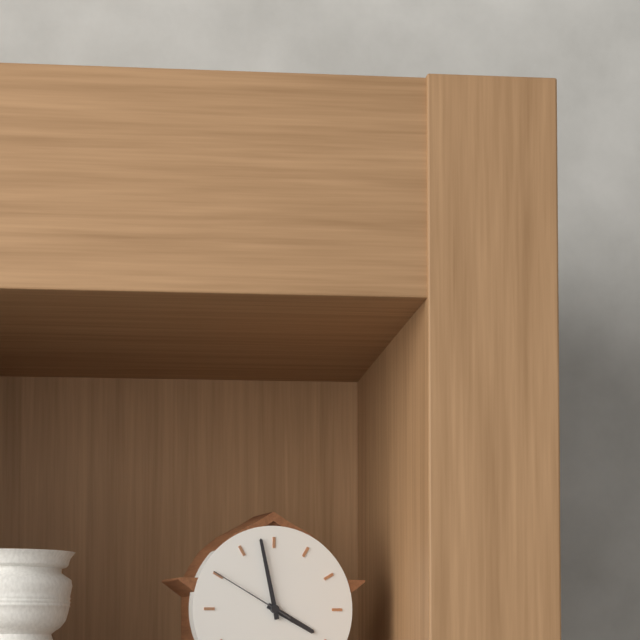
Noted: **3:58:50**
